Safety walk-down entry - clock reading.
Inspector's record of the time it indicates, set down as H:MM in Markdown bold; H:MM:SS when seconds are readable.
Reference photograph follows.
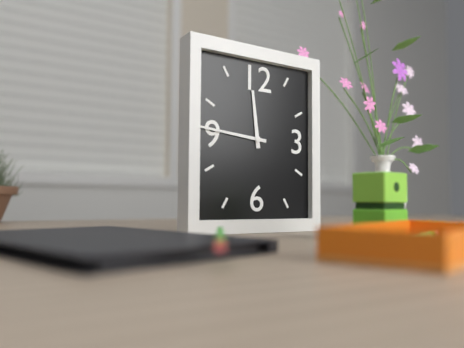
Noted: **11:46**
